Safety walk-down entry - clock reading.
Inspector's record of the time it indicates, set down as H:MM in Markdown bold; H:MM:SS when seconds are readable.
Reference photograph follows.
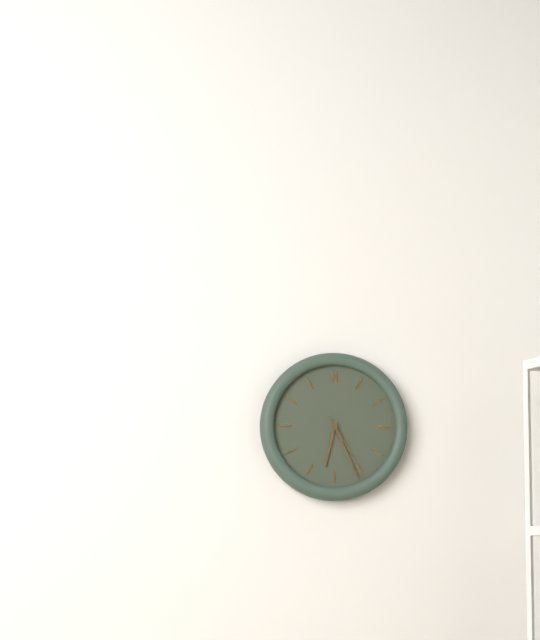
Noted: **6:26:25**
